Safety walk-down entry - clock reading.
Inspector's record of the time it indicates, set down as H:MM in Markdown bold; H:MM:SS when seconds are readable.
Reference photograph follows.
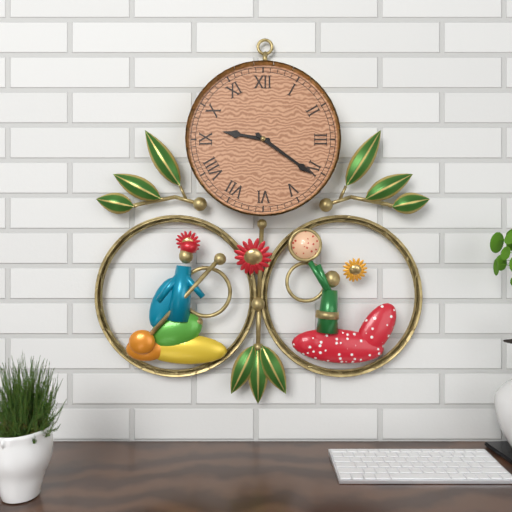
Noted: **9:21**
